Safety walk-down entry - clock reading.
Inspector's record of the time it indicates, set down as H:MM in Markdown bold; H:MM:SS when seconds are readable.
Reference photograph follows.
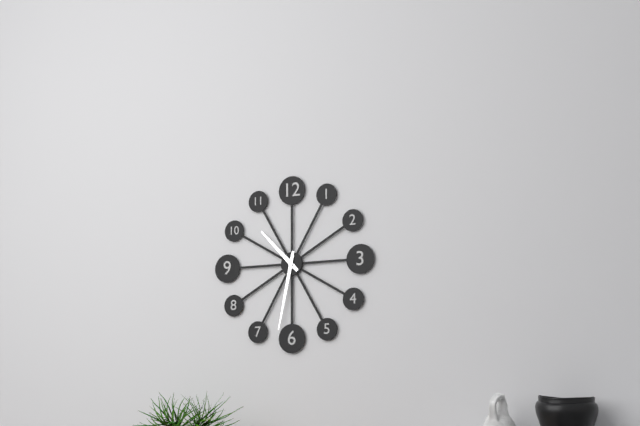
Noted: **10:32**
